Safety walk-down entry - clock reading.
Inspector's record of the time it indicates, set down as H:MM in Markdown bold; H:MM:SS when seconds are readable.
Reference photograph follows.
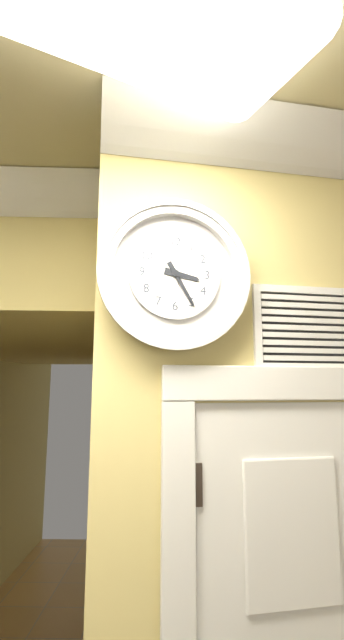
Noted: **3:25**
